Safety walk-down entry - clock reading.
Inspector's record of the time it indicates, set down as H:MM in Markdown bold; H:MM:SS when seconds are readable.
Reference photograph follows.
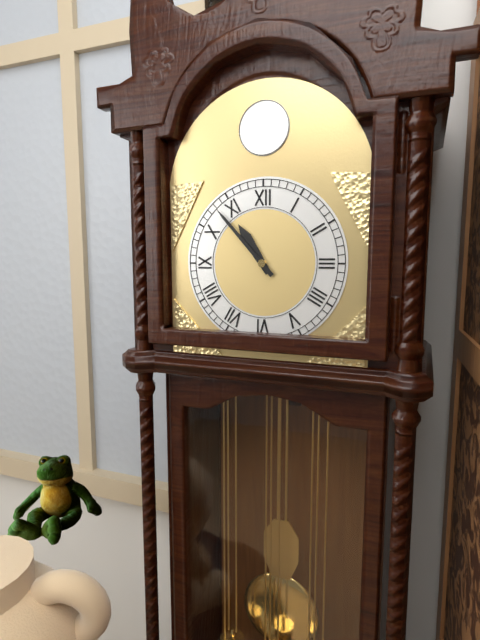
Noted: **10:53**
